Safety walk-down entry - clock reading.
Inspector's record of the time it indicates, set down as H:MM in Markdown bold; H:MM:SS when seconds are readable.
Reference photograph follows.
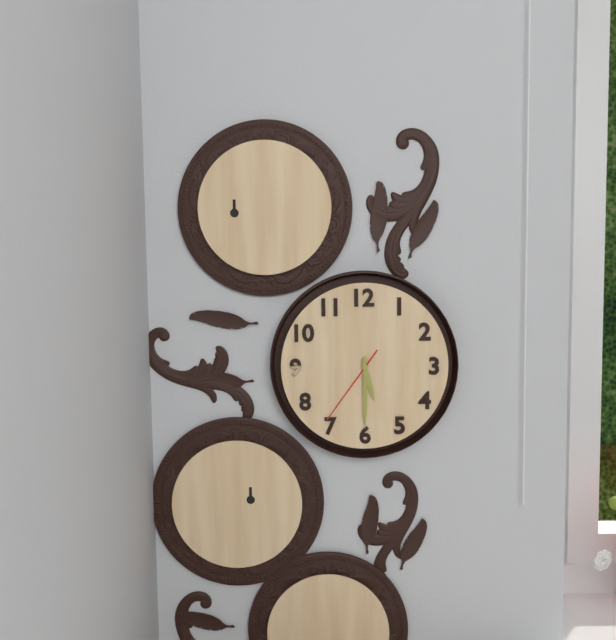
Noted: **5:30:36**
